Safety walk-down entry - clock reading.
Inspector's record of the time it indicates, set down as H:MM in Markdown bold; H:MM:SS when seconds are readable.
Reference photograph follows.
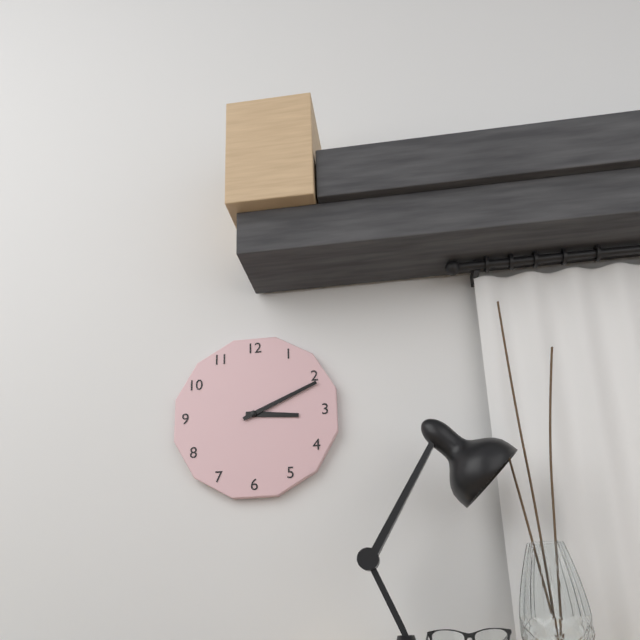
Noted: **3:11**
